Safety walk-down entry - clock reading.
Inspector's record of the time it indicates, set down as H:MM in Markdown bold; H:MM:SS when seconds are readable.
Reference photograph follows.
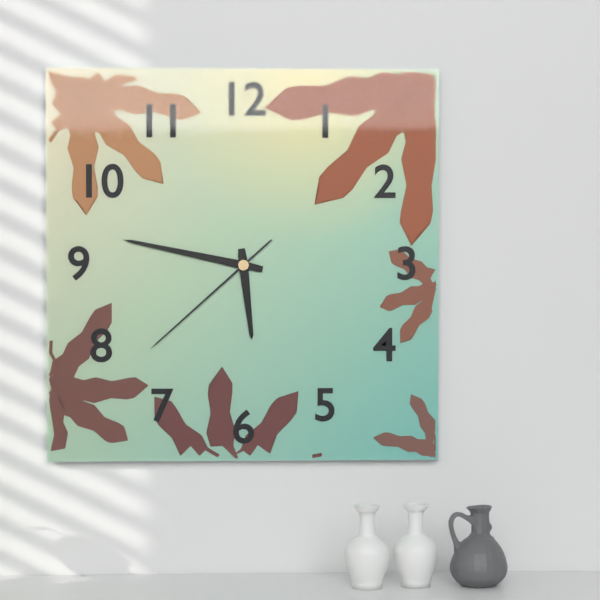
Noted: **5:47:38**
